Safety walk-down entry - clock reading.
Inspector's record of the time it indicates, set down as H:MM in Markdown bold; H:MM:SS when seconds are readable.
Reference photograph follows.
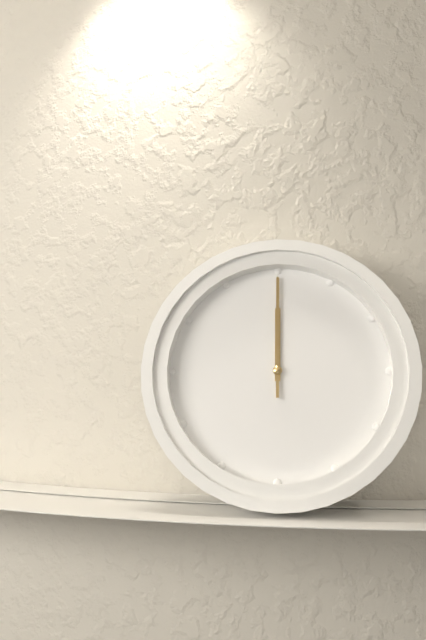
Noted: **12:00**
